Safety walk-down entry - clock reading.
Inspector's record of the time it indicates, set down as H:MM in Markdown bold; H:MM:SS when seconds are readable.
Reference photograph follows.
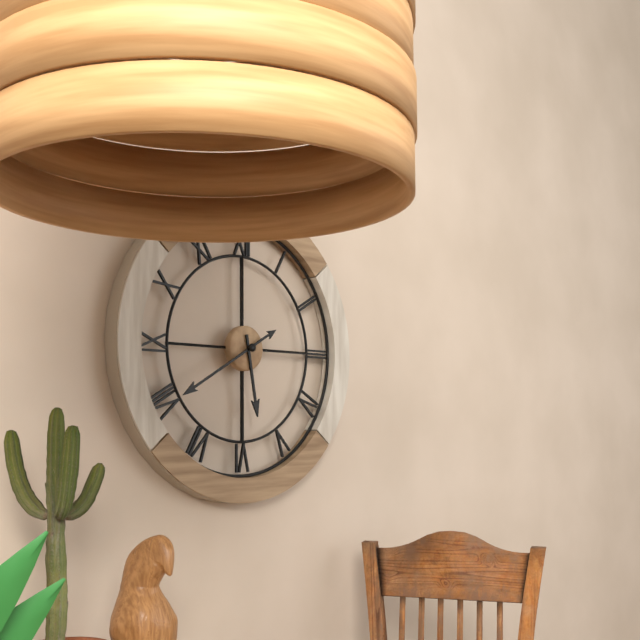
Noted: **5:40**
